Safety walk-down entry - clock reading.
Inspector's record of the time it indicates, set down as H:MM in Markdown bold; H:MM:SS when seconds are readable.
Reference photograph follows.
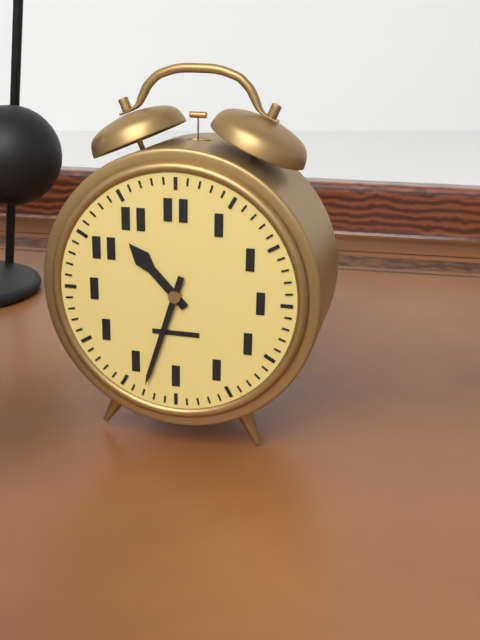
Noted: **10:33**
